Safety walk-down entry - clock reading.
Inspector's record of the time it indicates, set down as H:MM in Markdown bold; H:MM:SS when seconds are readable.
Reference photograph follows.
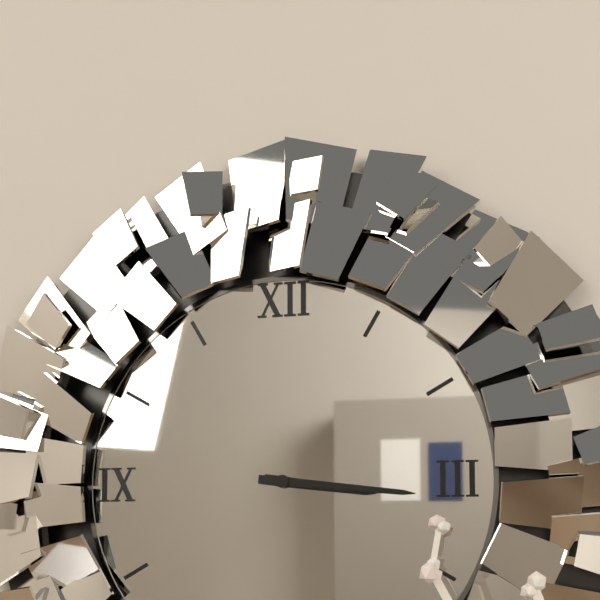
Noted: **3:16**
